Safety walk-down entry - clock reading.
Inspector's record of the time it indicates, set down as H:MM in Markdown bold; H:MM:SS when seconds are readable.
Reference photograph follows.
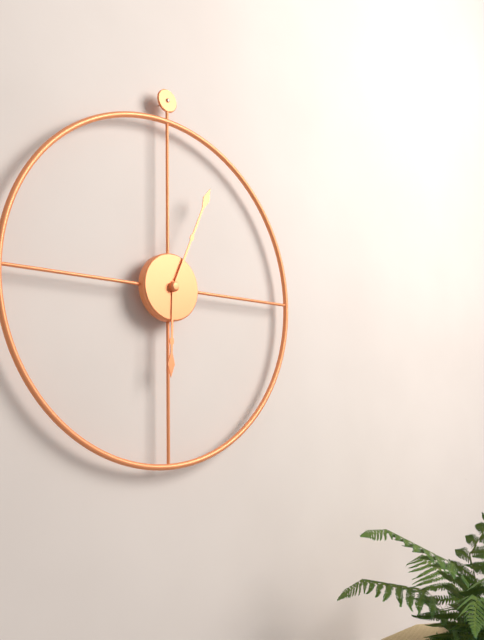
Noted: **6:04**
